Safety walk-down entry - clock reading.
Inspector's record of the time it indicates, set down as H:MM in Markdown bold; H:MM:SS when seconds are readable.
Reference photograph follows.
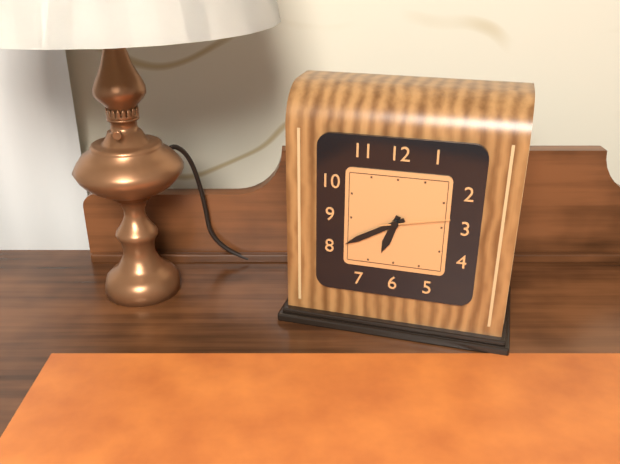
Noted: **6:40:13**
